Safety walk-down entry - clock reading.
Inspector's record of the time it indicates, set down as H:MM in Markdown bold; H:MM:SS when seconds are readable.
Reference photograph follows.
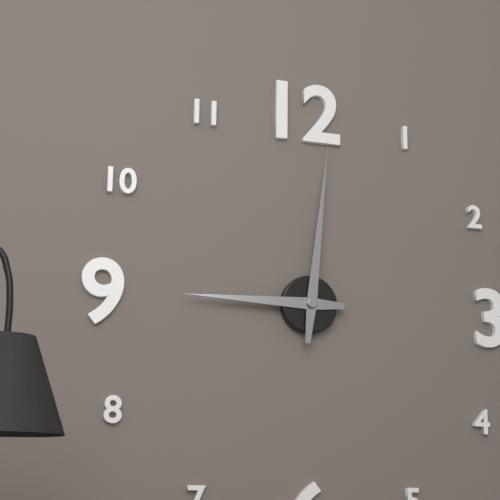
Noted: **9:01**
